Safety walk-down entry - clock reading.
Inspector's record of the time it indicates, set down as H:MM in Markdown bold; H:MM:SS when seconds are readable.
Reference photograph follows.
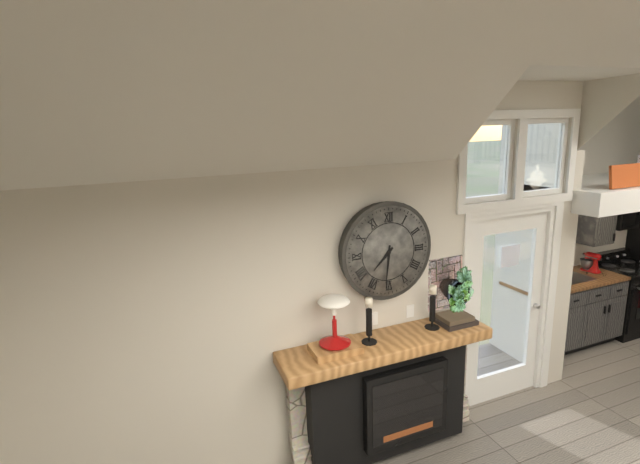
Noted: **7:31**
